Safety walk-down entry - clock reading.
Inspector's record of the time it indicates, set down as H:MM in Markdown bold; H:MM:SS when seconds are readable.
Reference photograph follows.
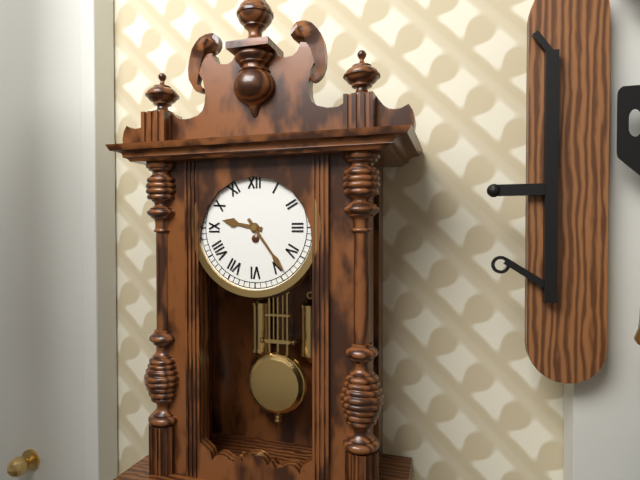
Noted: **9:24**
